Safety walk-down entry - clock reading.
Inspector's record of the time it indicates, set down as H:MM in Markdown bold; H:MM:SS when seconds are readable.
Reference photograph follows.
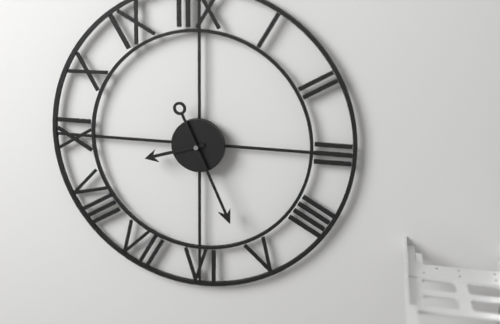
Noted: **8:26**
